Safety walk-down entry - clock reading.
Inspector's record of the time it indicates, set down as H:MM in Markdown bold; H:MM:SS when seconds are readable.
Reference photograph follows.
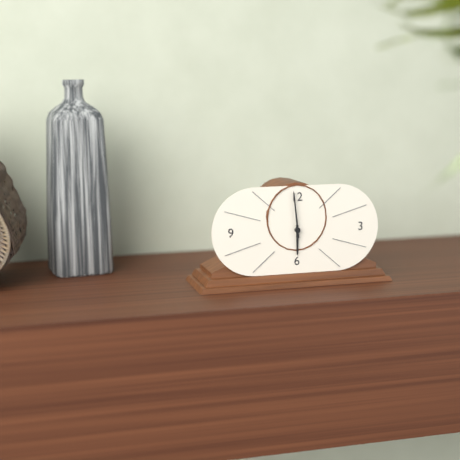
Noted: **5:59**
